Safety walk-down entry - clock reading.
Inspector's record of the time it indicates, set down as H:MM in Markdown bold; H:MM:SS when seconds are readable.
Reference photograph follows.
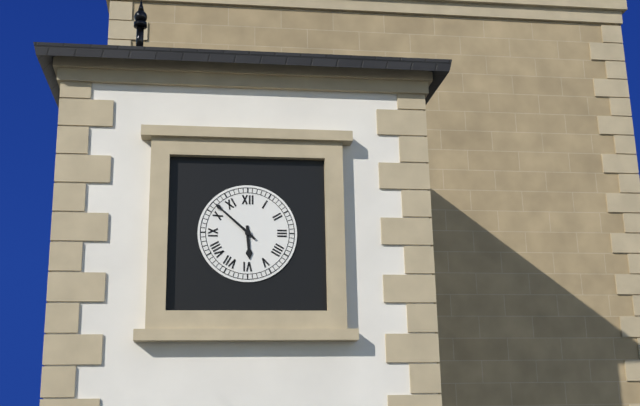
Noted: **5:52**
